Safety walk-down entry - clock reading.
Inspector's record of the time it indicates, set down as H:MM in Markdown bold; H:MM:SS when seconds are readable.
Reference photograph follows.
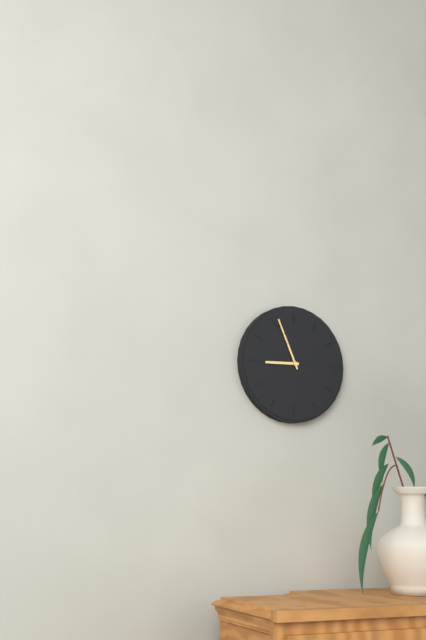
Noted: **8:56**
